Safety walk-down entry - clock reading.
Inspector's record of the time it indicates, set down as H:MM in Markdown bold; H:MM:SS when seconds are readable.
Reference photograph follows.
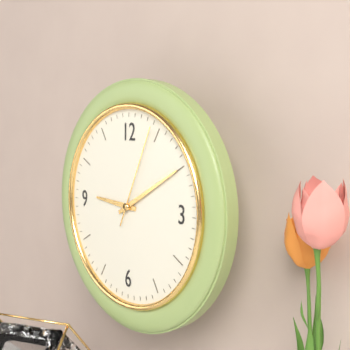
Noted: **9:10:04**
